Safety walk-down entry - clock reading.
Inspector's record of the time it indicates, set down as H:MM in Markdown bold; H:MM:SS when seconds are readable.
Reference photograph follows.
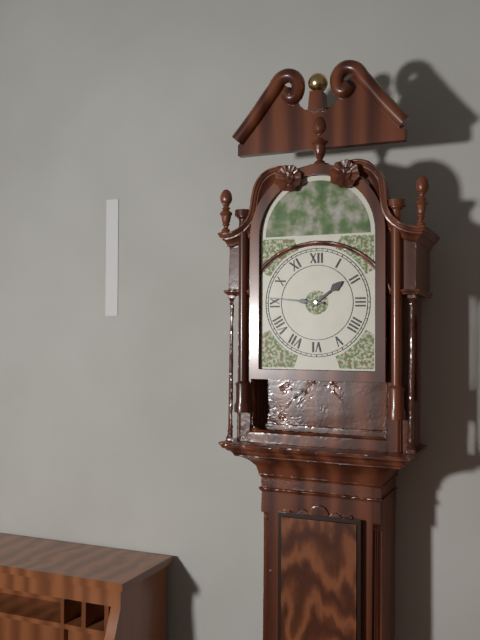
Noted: **1:46**
